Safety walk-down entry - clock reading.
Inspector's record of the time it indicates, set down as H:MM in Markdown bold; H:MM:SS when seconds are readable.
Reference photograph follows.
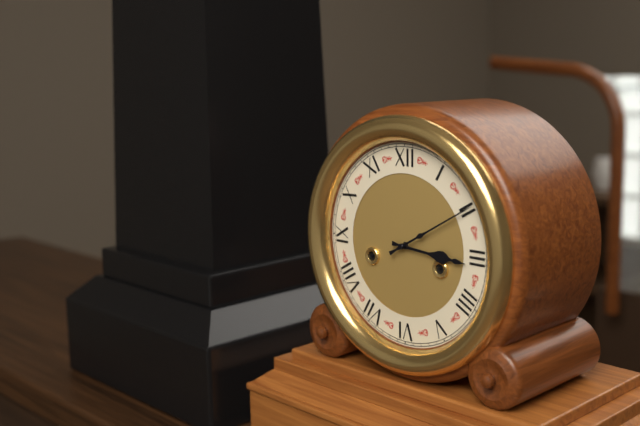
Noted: **3:10**
